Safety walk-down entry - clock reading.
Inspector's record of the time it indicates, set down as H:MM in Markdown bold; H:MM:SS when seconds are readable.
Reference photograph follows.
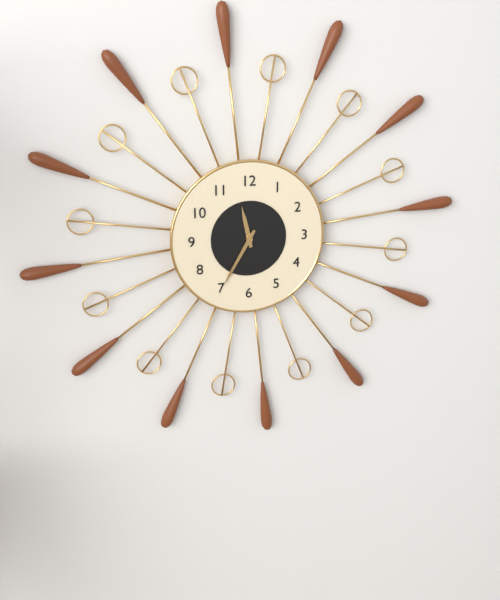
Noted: **11:35**
